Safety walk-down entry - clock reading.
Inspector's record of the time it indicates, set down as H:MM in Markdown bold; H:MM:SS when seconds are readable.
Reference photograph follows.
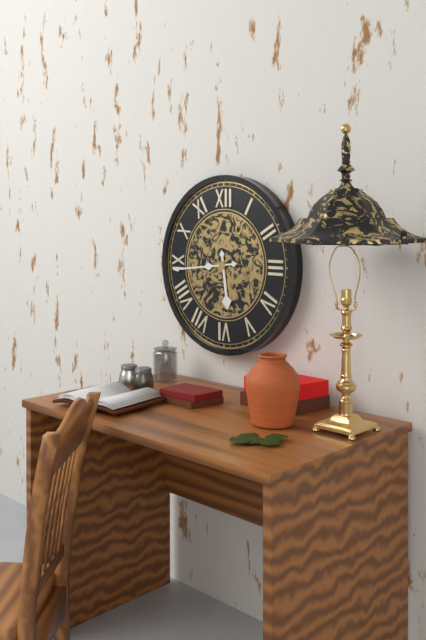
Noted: **5:44**
